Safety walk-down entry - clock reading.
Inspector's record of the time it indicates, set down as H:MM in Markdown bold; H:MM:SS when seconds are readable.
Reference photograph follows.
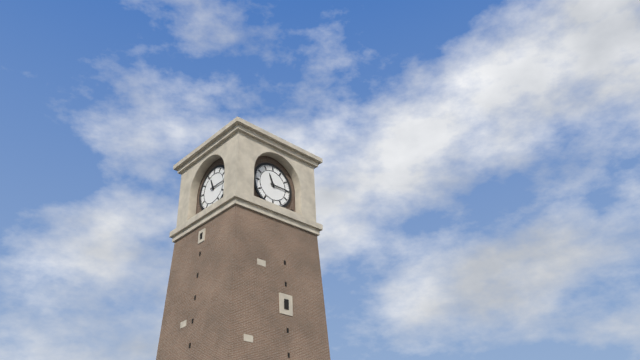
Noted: **11:15**
